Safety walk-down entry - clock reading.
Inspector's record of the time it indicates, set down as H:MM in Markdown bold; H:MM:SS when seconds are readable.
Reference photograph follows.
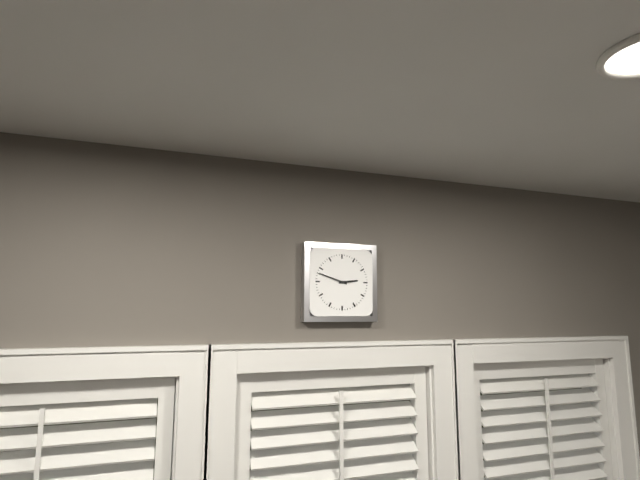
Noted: **2:48**
